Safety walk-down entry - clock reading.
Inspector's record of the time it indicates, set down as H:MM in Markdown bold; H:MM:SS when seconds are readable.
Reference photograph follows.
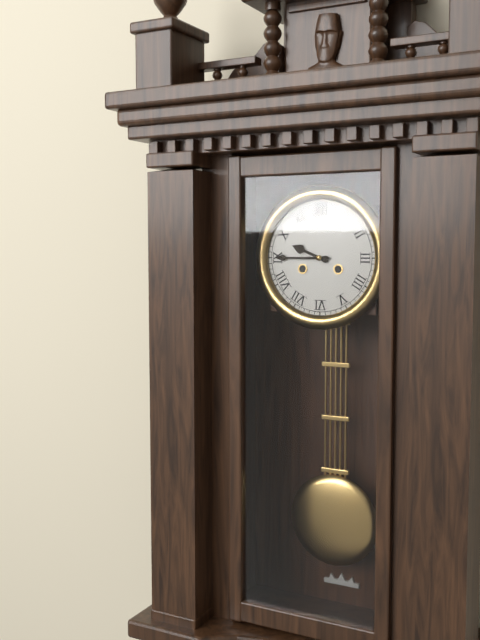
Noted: **9:45**
